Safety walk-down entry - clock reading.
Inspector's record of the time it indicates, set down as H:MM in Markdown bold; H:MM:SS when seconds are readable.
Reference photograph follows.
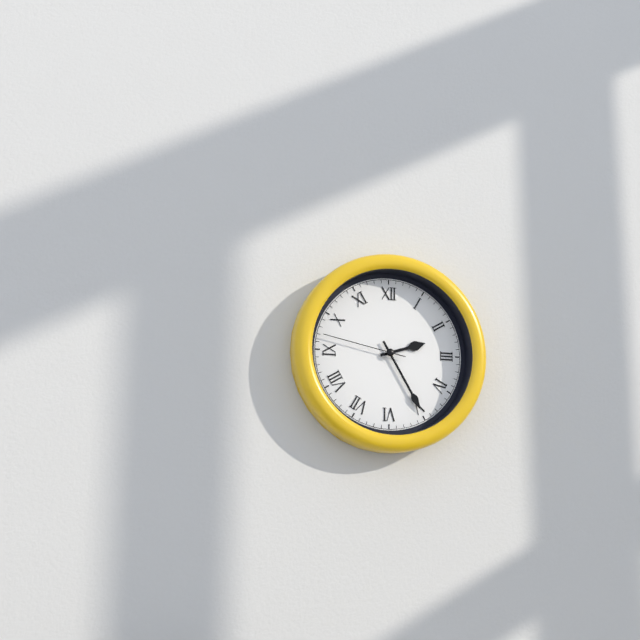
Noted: **2:25:47**
